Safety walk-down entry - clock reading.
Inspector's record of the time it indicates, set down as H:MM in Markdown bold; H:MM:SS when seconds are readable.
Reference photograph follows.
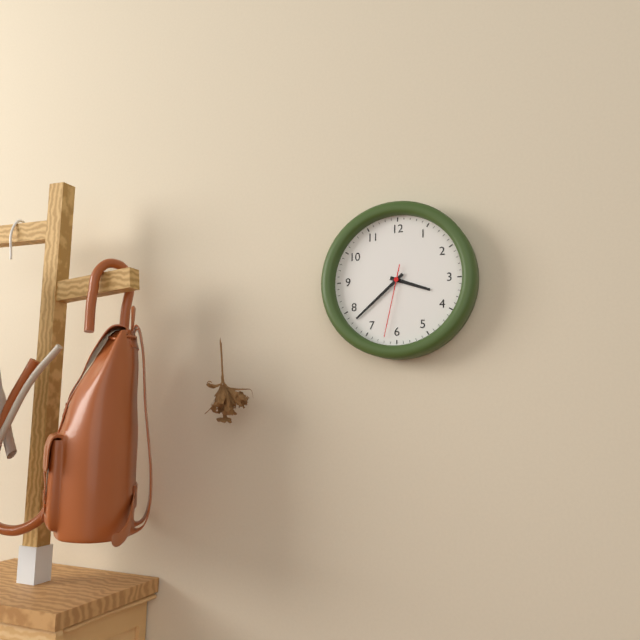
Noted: **3:38:32**
